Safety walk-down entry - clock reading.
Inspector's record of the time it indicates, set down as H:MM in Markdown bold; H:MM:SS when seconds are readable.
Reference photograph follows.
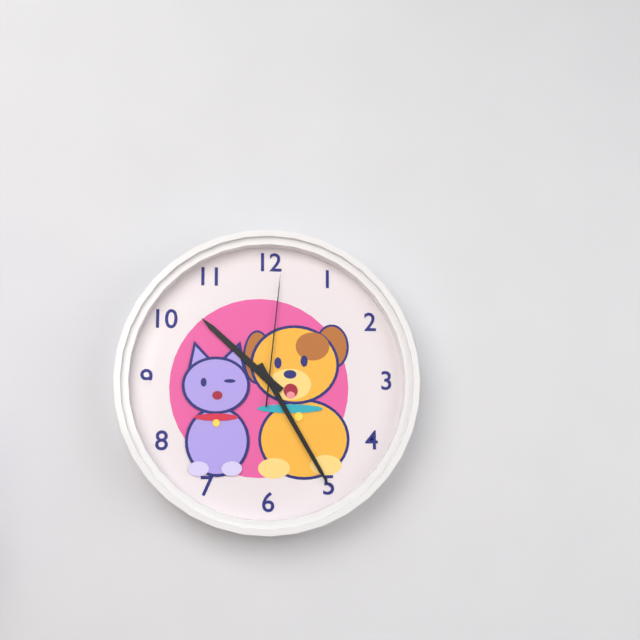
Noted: **10:25:01**
